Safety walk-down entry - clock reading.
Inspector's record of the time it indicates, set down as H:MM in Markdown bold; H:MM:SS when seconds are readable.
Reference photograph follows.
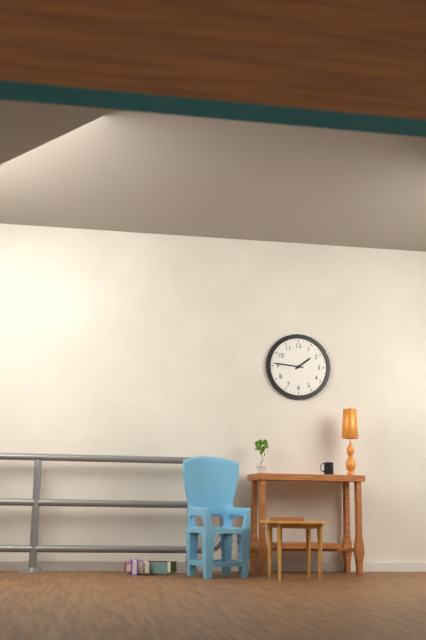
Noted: **1:46**
